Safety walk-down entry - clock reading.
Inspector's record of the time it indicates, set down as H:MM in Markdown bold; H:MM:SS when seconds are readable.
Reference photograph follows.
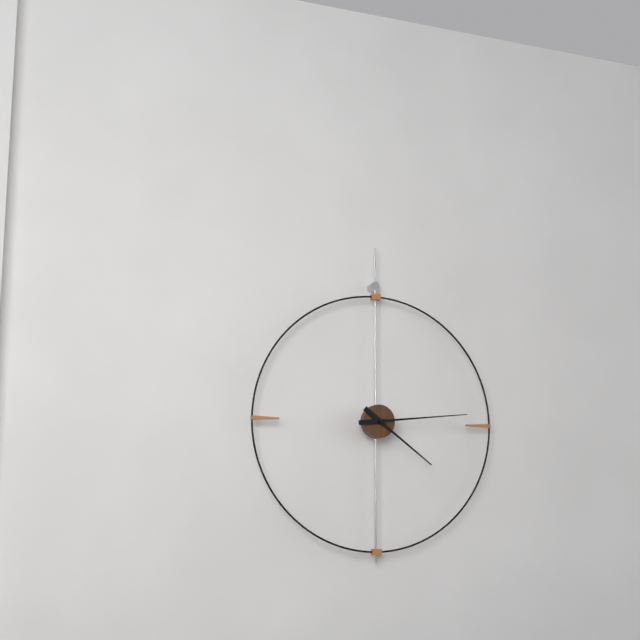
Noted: **4:14**
